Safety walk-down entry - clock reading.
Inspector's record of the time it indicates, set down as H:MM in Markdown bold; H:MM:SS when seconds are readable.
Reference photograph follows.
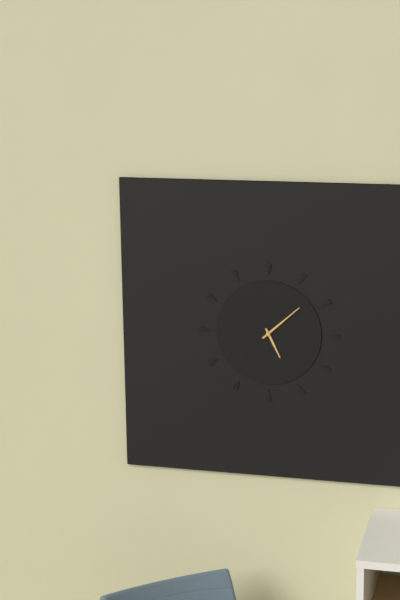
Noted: **5:08**
